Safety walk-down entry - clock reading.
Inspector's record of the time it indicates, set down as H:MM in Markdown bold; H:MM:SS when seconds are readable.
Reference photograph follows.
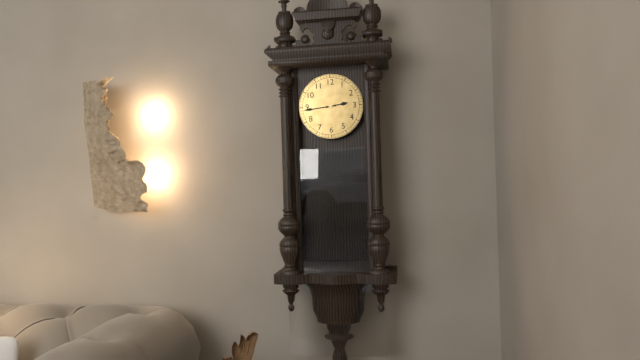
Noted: **2:44**
